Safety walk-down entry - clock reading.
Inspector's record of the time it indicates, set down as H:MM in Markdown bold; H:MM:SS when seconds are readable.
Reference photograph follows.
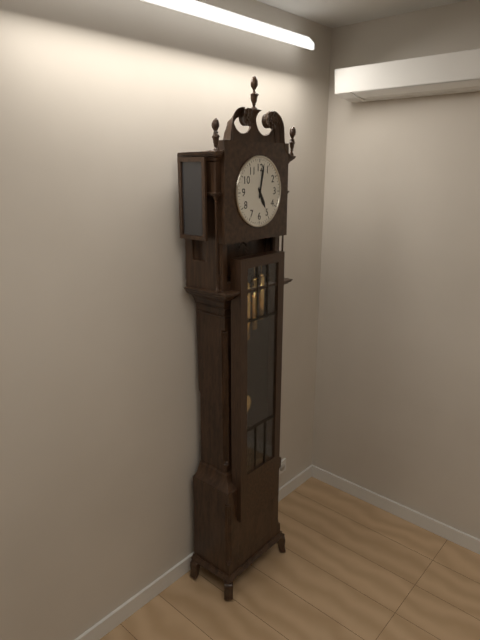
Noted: **5:02**
